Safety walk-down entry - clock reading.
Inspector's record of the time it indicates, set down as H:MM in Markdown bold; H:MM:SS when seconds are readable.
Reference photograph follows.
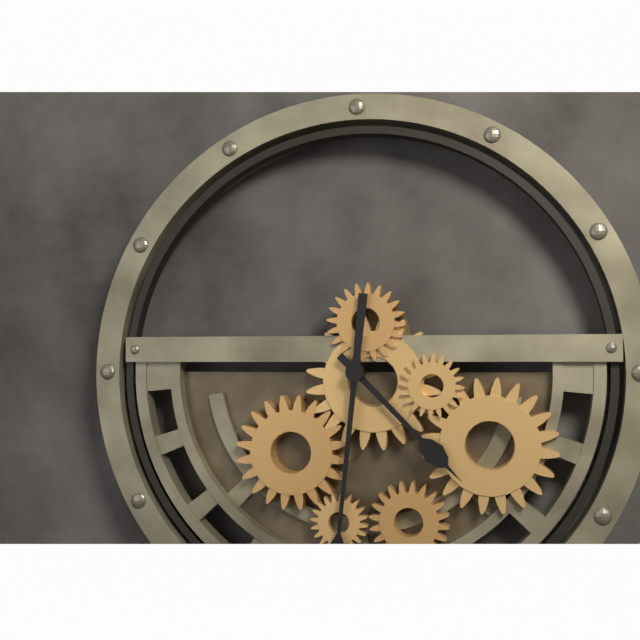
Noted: **4:31**
